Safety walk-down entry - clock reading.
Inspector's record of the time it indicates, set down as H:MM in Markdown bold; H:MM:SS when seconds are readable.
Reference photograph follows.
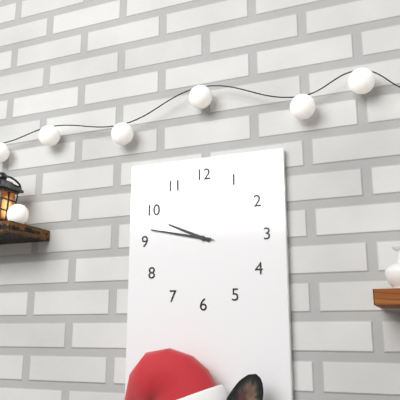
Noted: **9:47:47**
